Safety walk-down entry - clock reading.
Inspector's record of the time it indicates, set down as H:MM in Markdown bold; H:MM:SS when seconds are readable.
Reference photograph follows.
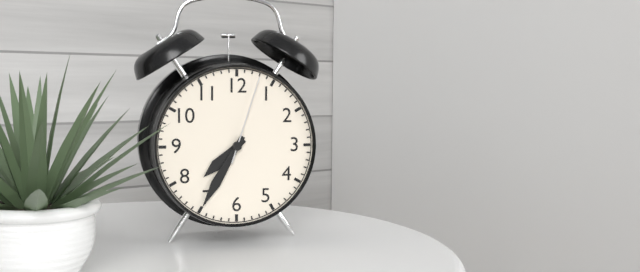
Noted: **7:35:03**
